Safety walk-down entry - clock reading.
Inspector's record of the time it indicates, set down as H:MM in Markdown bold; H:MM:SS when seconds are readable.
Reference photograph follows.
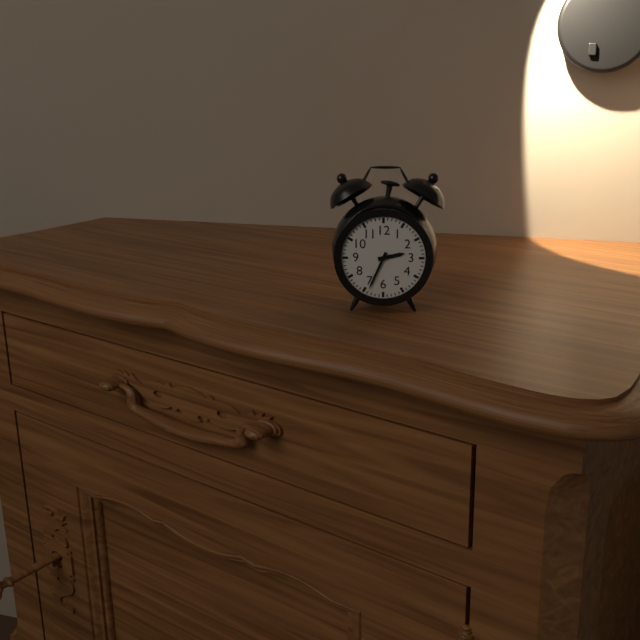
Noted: **2:34**
